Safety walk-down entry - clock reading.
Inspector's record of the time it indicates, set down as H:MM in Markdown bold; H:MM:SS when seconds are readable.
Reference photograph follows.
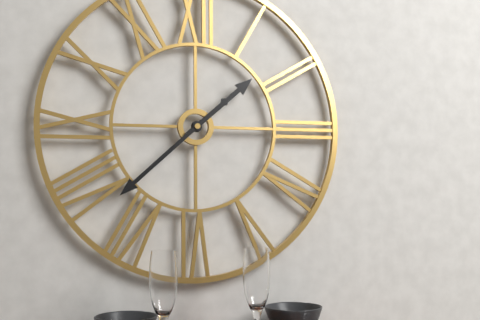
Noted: **1:38**
